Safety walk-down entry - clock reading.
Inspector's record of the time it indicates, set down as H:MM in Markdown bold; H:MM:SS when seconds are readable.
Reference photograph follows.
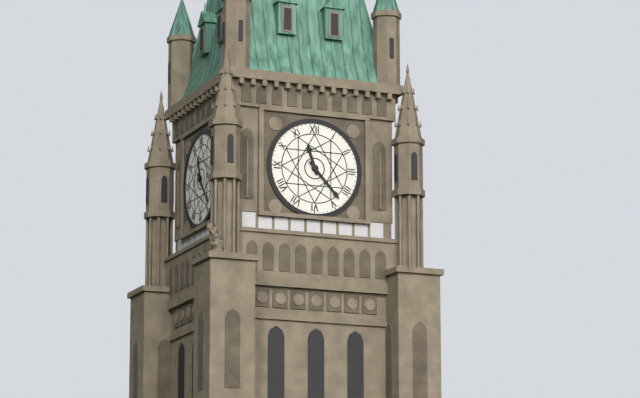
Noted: **11:23**
